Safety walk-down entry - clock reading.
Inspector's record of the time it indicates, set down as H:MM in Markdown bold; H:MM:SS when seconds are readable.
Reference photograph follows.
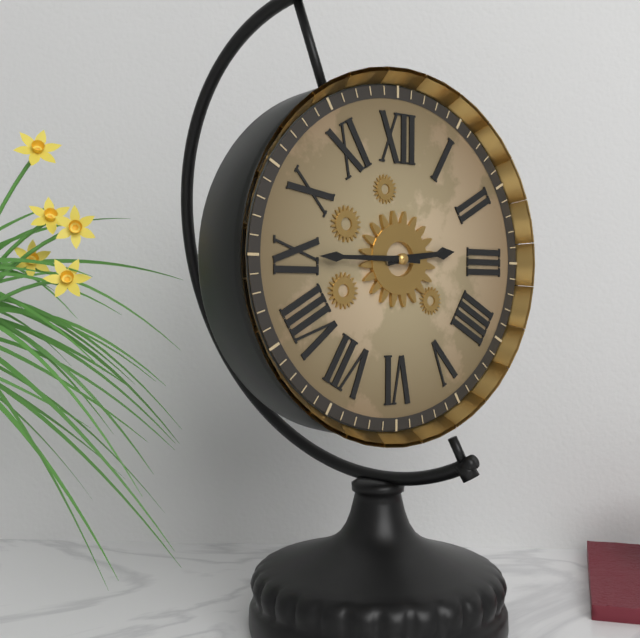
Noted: **2:45**
